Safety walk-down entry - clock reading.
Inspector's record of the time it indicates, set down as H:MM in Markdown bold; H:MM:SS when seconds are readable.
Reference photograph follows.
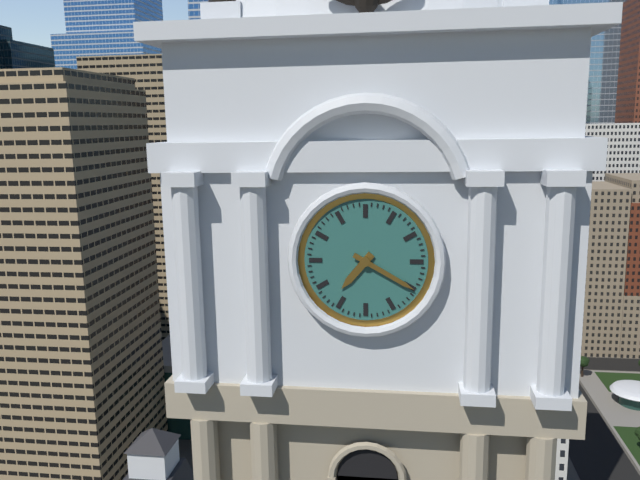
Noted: **7:20**
